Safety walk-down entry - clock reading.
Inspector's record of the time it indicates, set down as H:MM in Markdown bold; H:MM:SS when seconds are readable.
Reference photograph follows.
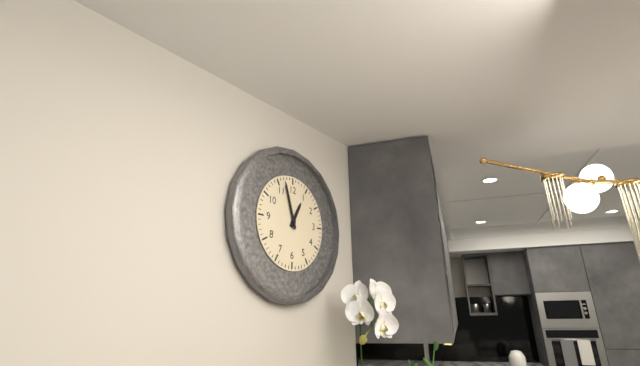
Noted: **12:57**
